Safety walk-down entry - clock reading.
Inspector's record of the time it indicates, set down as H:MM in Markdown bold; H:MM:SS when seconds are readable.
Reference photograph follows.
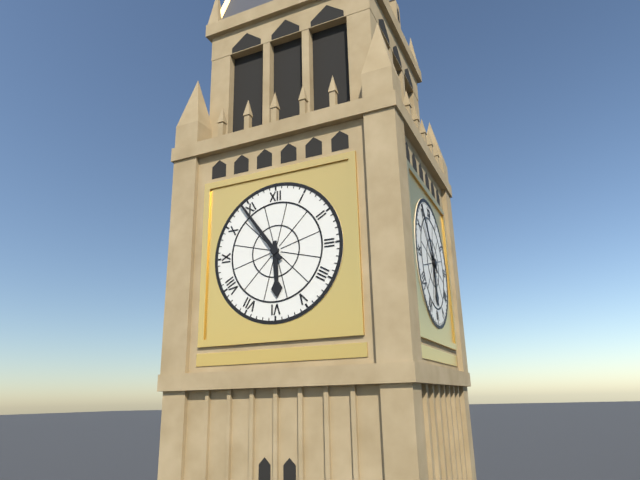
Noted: **5:54**
